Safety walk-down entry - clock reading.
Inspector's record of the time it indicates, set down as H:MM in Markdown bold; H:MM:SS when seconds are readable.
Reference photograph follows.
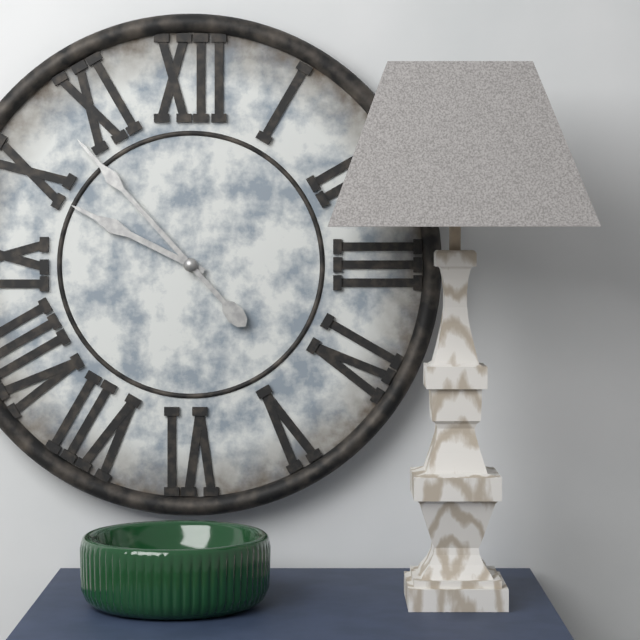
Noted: **9:53**
